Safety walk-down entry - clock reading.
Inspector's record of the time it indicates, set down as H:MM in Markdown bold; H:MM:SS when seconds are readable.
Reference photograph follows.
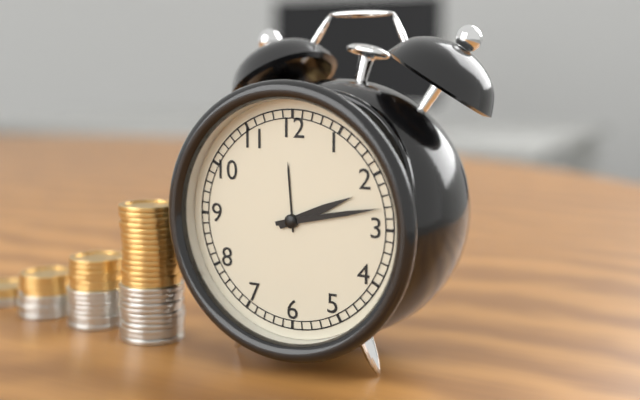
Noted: **2:13**
